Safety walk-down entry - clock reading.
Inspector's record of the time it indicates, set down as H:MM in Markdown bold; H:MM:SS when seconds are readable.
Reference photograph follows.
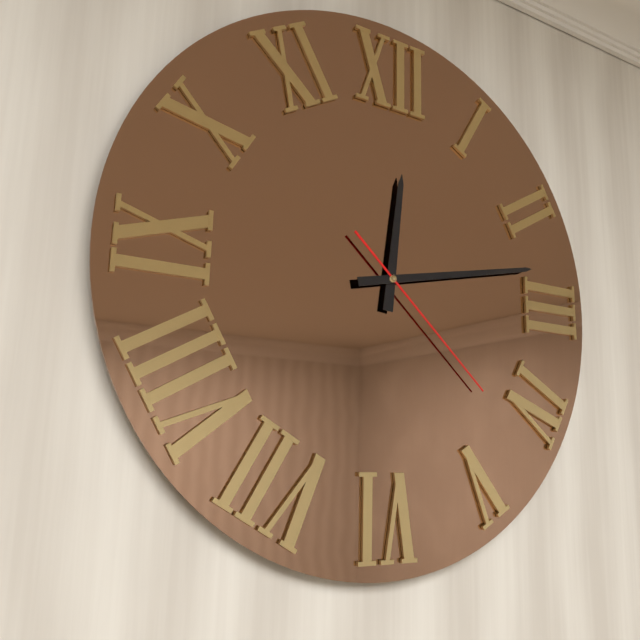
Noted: **12:13:22**
